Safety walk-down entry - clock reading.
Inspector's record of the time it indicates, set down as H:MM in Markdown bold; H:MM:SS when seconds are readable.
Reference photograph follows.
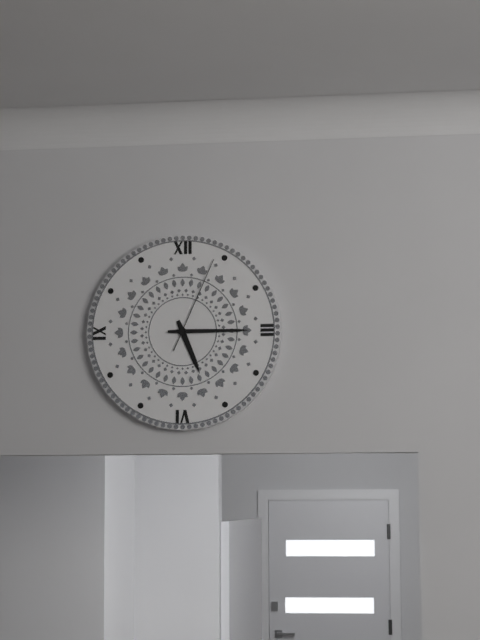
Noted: **5:15:04**
